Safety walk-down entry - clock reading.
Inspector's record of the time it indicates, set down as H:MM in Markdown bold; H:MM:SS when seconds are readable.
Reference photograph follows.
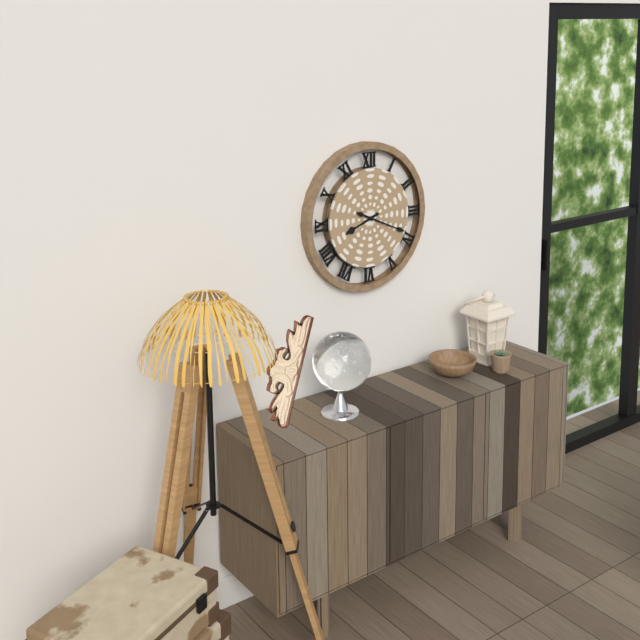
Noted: **8:19**
